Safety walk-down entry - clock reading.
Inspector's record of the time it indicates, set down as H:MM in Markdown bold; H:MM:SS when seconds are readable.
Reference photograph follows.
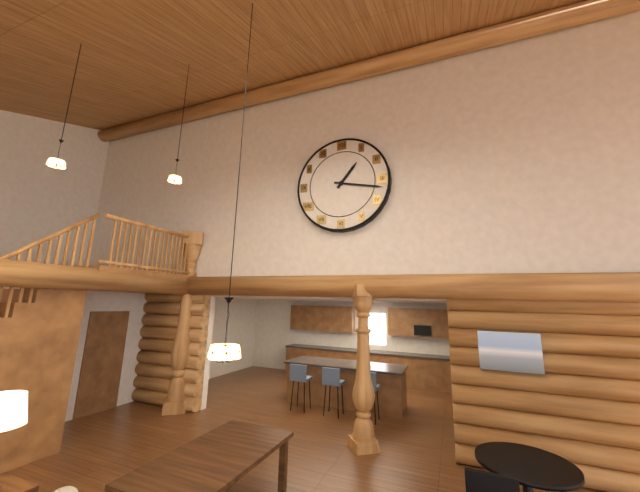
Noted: **1:17**
